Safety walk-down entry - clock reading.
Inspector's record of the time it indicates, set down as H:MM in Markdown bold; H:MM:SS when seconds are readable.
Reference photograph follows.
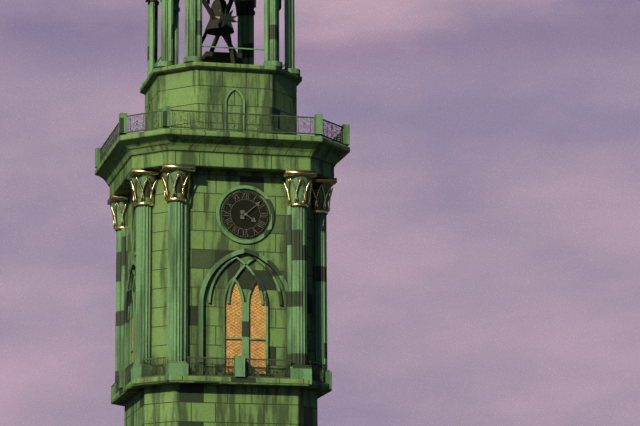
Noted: **4:08**
